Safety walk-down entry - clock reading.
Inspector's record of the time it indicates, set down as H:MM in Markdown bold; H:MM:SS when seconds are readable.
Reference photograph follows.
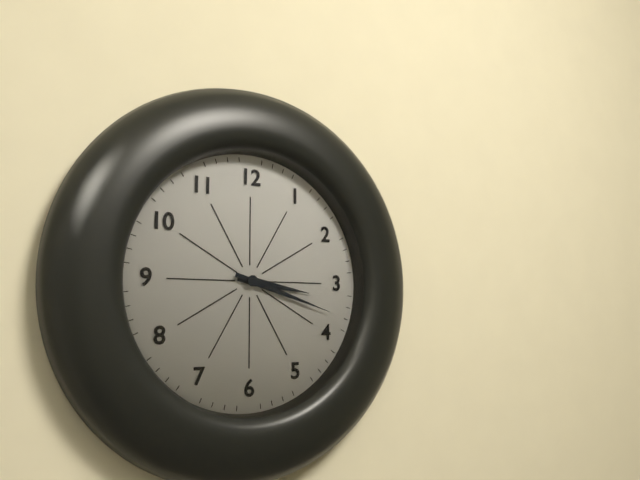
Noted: **3:18**
